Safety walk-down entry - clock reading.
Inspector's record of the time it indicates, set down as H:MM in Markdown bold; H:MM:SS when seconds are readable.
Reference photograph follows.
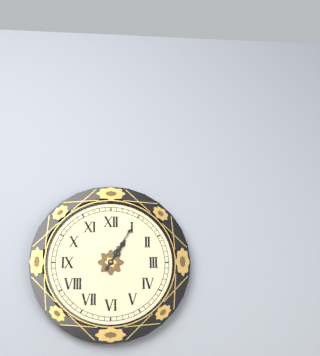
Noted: **1:05**
